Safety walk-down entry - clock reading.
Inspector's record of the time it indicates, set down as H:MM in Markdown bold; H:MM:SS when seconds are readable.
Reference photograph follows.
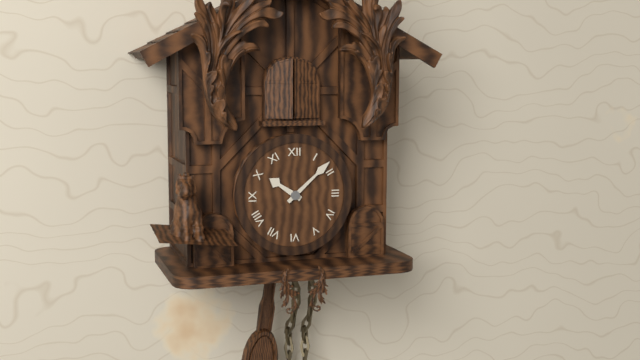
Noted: **10:08**
